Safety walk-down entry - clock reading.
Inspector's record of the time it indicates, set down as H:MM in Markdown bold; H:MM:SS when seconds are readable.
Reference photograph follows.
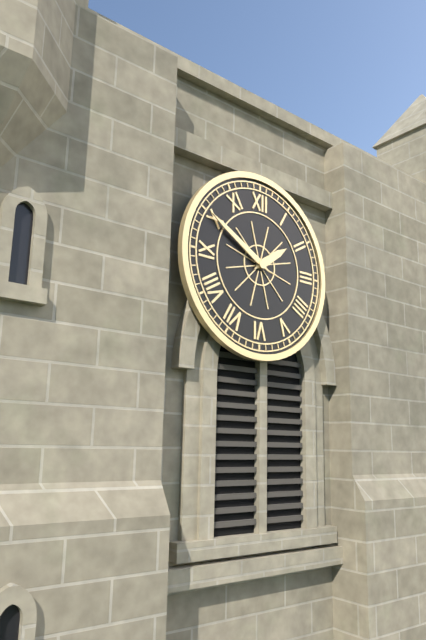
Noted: **1:50**
